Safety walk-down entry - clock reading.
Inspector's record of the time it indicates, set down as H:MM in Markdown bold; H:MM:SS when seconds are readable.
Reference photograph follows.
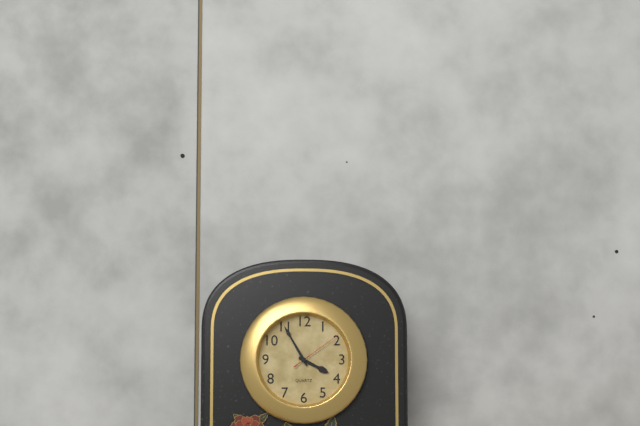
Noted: **3:55:09**
